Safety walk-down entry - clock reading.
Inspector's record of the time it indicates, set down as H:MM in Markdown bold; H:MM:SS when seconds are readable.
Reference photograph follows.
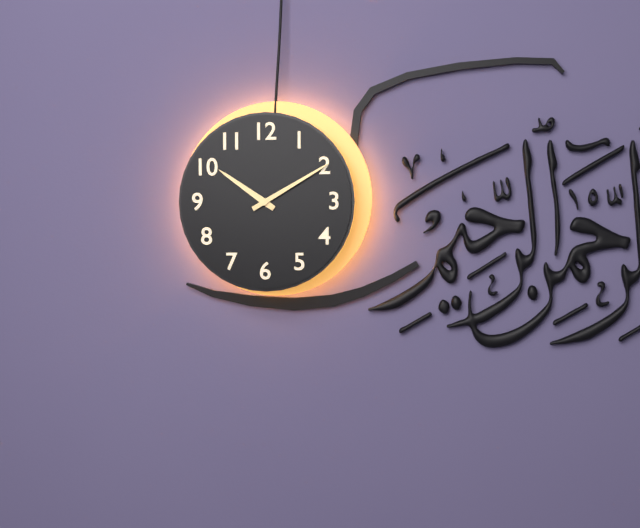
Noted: **10:10**
